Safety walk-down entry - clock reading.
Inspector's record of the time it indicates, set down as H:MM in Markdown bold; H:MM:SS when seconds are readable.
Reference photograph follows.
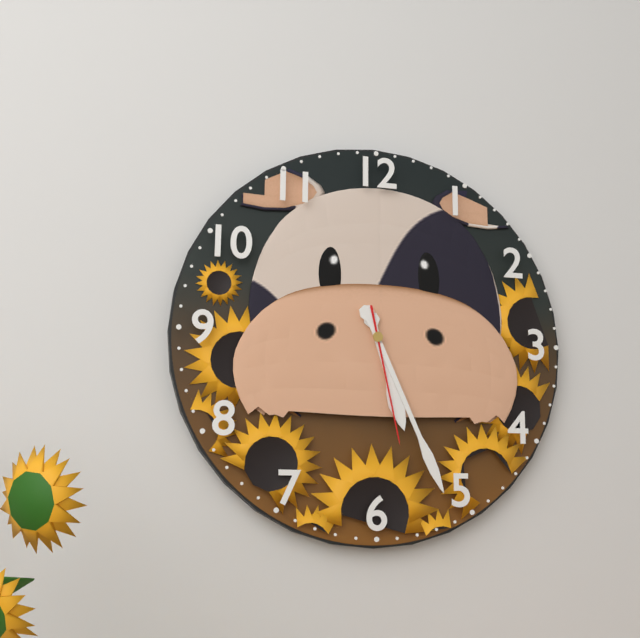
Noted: **5:26:28**
